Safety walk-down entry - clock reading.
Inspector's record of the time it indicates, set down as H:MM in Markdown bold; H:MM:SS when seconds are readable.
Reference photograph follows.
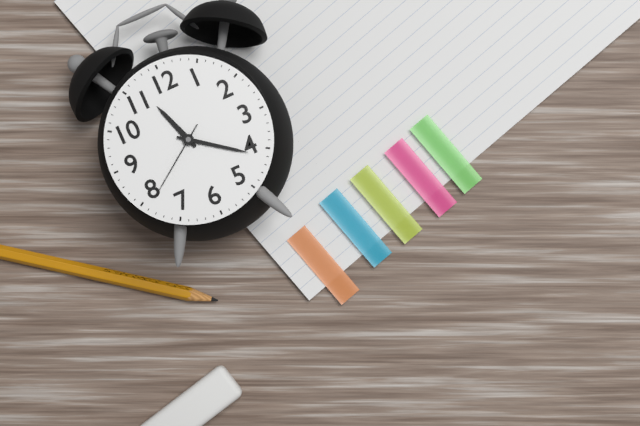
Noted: **11:21:39**
